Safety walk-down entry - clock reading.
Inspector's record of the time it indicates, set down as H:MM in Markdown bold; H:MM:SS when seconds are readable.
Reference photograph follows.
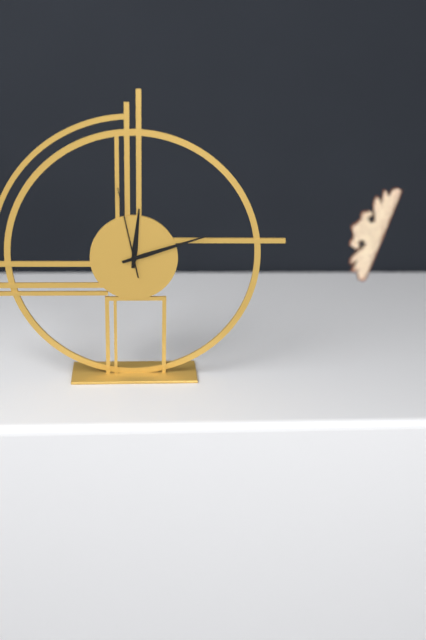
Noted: **12:12:58**
